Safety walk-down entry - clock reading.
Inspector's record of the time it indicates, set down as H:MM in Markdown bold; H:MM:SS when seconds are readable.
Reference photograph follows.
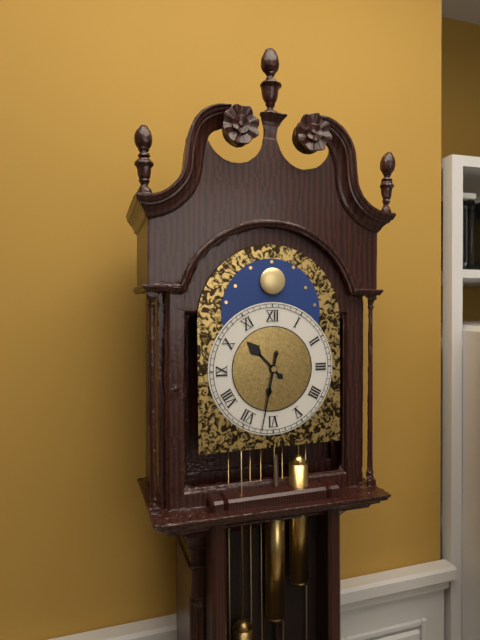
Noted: **10:32**
